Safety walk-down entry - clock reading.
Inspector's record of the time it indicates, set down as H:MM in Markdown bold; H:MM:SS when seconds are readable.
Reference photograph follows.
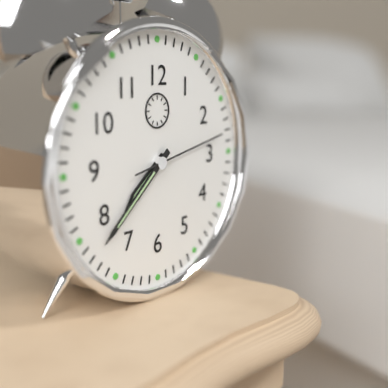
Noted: **7:38:13**
